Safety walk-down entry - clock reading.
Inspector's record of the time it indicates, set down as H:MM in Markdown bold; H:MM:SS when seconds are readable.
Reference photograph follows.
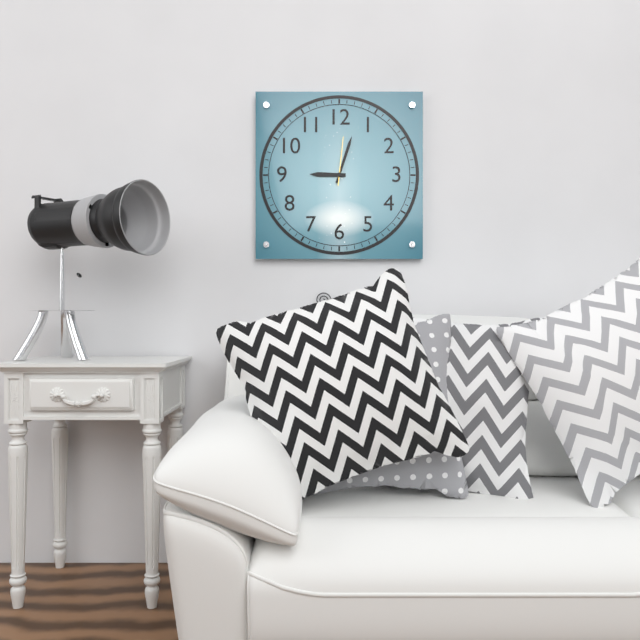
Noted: **9:03**
